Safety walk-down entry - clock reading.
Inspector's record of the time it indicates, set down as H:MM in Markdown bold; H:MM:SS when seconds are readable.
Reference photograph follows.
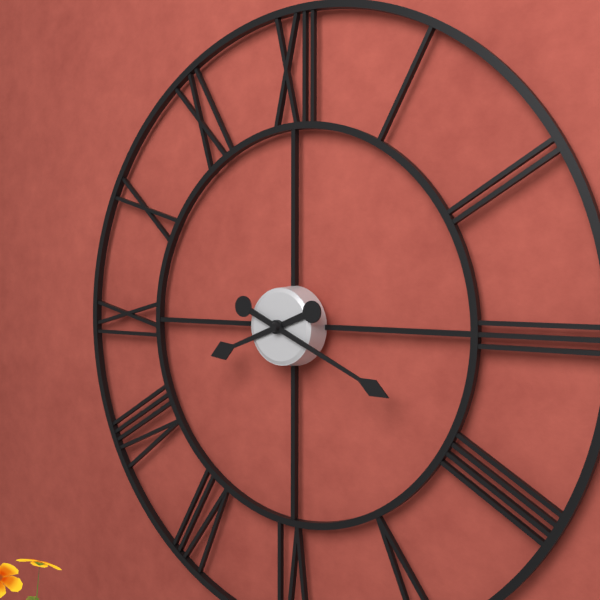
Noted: **8:19**
